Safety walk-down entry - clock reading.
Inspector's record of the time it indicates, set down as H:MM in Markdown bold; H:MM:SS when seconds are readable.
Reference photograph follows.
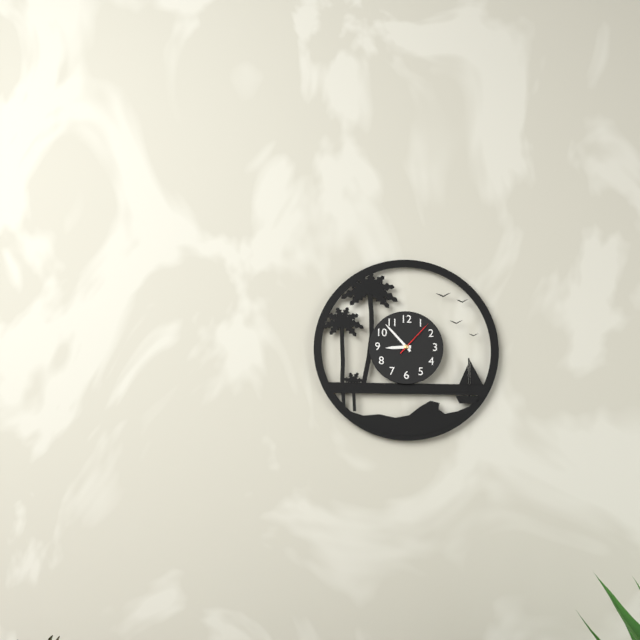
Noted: **8:53**
